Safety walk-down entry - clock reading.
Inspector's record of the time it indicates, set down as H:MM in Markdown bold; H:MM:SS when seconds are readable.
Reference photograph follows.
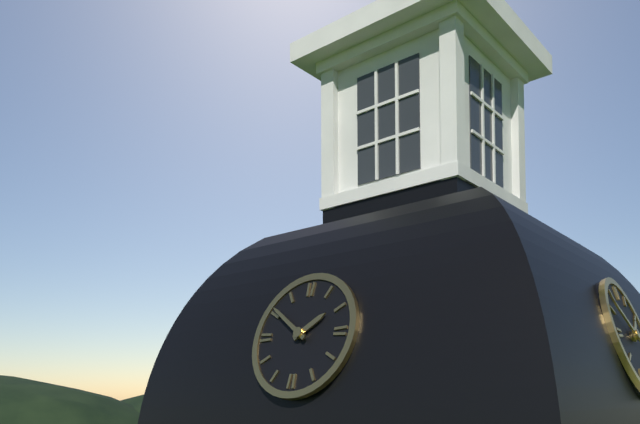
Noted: **1:51**
